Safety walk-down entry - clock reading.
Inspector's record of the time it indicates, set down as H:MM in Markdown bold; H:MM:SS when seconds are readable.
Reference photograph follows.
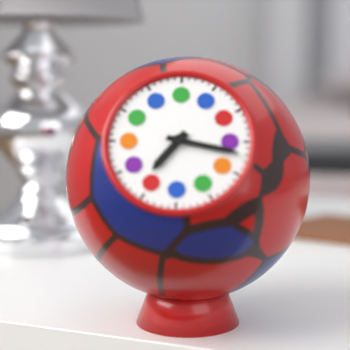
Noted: **7:17**
